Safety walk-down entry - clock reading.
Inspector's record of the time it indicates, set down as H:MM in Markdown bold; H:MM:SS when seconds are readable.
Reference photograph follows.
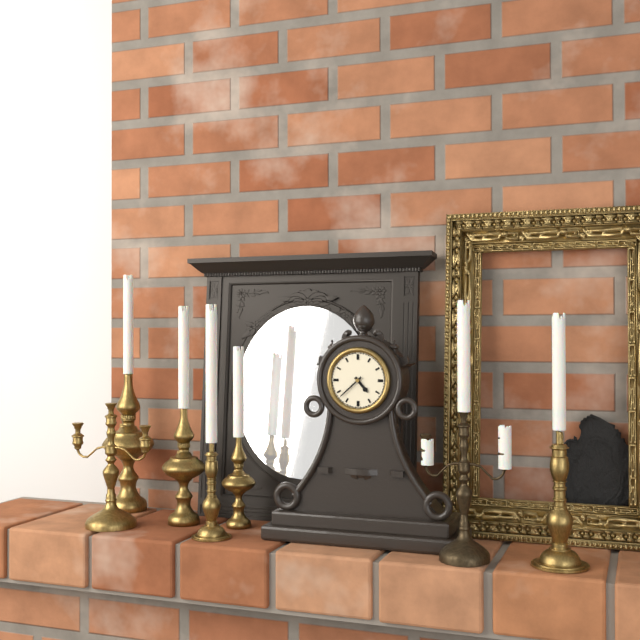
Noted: **4:38**
